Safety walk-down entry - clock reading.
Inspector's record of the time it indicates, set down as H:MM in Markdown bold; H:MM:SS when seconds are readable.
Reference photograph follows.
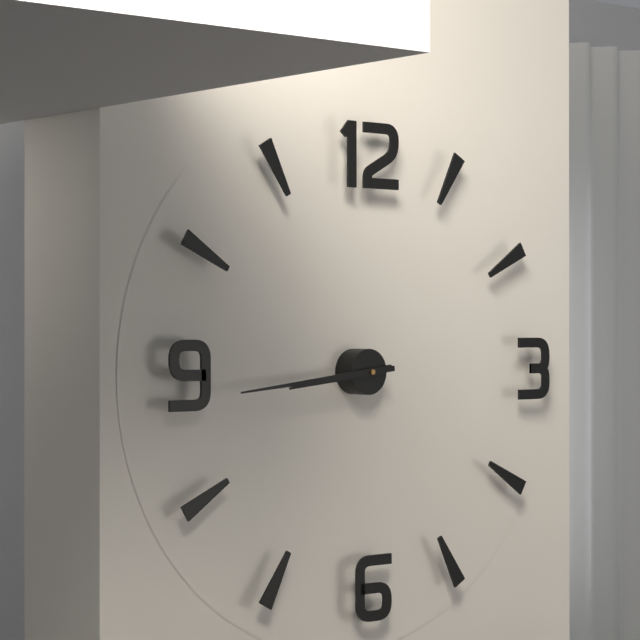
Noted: **8:44**
